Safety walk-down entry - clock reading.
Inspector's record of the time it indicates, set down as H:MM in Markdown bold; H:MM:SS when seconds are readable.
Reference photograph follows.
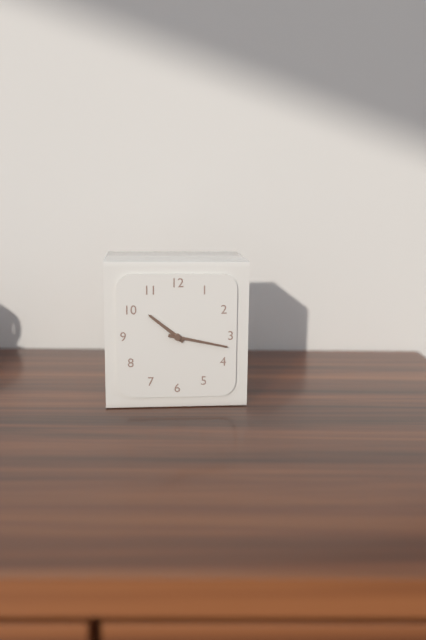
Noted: **10:17**
